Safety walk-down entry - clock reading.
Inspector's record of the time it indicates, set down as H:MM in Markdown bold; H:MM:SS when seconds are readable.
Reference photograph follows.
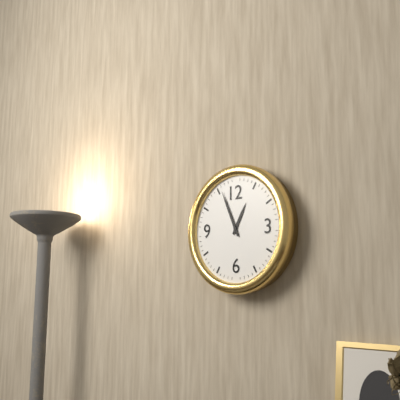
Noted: **12:56**
